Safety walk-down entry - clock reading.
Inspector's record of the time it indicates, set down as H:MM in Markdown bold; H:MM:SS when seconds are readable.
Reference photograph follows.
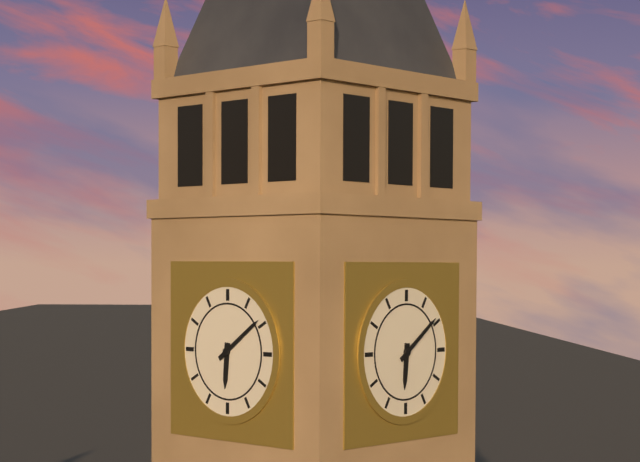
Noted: **6:09**
